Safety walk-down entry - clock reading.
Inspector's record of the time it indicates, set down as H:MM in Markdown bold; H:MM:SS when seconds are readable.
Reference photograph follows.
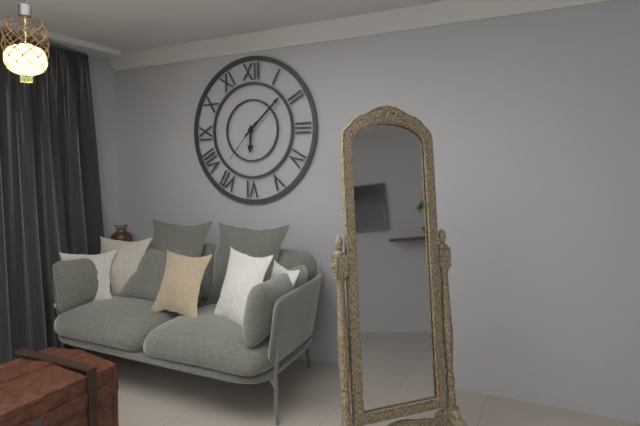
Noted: **6:08**
